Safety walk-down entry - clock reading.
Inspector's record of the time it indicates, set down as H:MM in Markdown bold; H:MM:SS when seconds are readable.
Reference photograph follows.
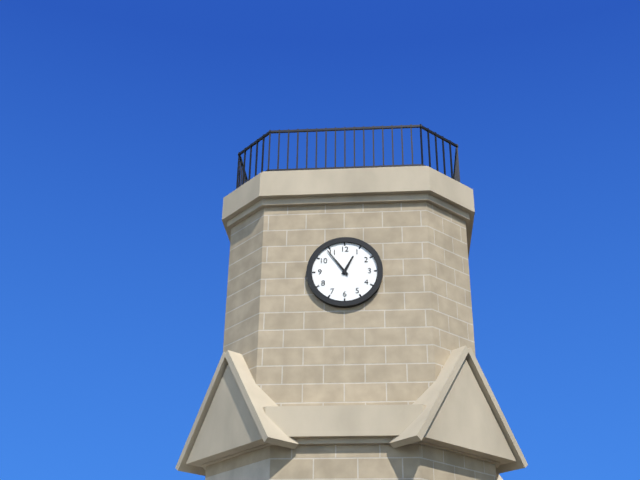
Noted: **12:54**
